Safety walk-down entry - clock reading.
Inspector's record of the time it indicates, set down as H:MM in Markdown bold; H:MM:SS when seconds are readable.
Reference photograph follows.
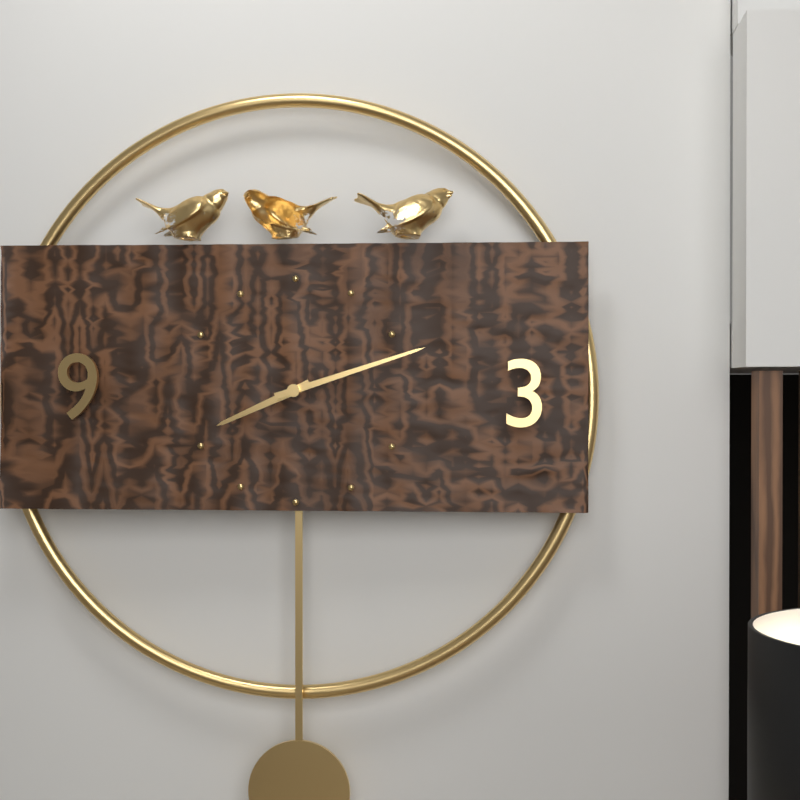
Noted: **8:12**
